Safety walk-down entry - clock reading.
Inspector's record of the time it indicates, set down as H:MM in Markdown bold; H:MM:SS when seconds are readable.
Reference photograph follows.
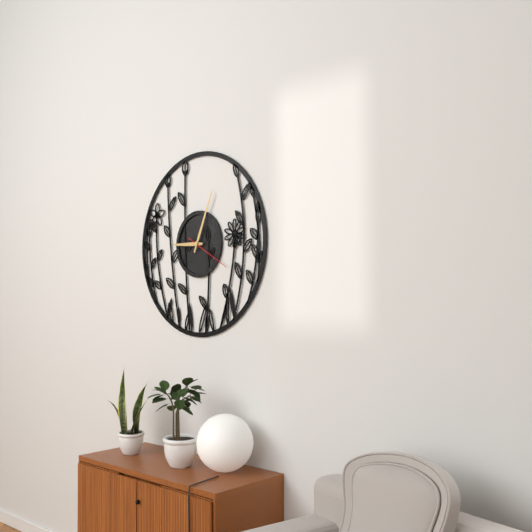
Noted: **9:04**
